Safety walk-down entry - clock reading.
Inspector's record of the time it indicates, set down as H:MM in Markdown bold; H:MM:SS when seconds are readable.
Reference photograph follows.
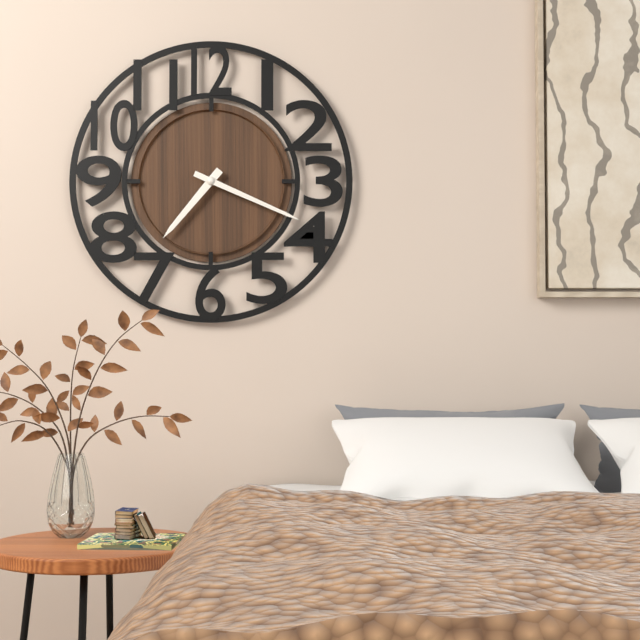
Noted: **7:19**
